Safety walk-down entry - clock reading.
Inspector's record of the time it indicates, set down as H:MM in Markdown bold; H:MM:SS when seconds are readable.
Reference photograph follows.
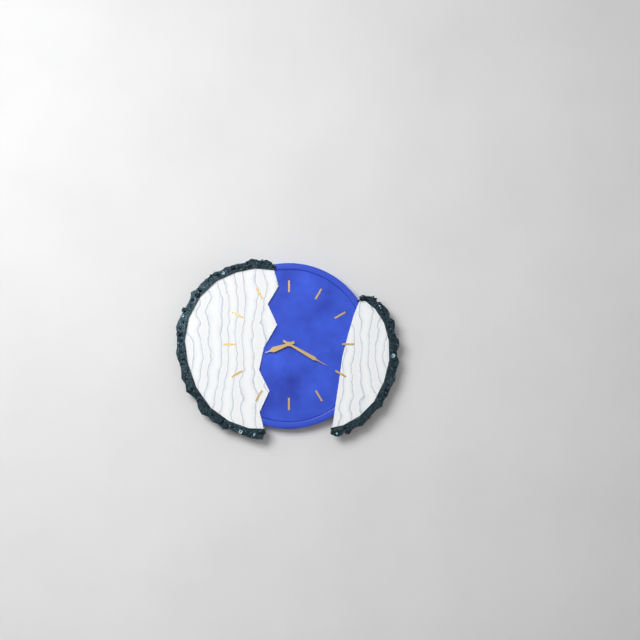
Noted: **8:20**
